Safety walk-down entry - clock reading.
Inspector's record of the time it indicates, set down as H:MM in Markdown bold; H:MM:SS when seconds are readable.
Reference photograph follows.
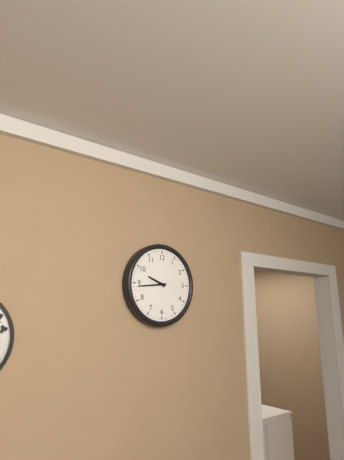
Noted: **9:44**
